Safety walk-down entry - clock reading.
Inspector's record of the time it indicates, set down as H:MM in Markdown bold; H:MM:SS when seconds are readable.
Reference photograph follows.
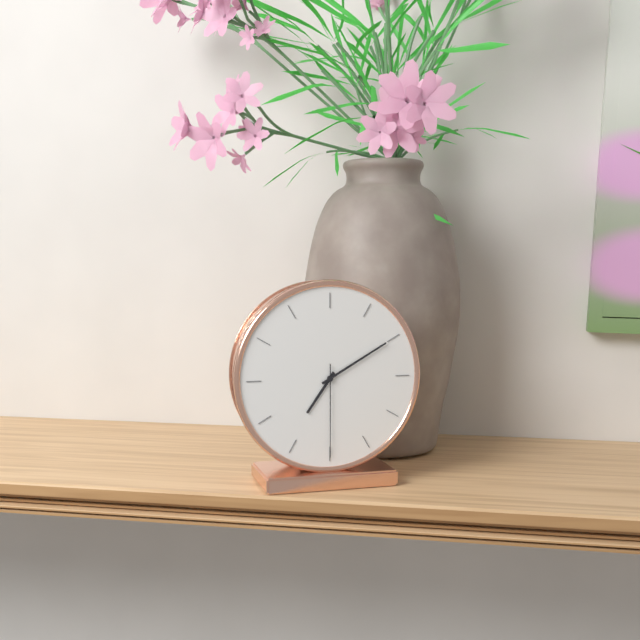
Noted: **7:10:30**
